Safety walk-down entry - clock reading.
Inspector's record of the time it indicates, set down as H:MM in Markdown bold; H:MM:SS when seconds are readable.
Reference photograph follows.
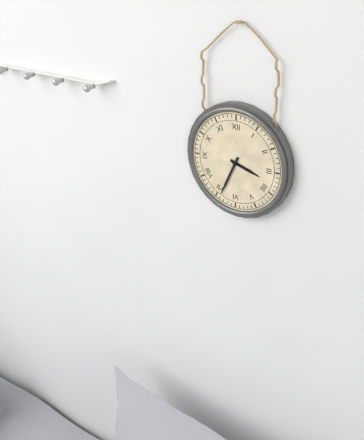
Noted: **3:34**
